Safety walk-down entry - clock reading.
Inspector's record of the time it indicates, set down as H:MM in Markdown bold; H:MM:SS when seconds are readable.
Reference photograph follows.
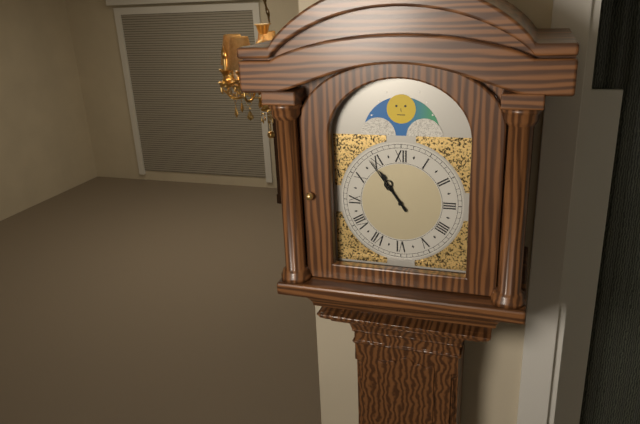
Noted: **10:54**
